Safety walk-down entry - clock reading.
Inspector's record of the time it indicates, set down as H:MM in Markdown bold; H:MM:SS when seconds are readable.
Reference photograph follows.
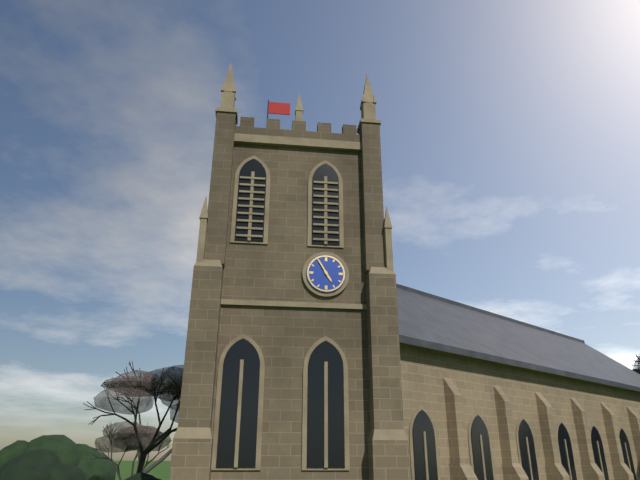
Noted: **4:55**
